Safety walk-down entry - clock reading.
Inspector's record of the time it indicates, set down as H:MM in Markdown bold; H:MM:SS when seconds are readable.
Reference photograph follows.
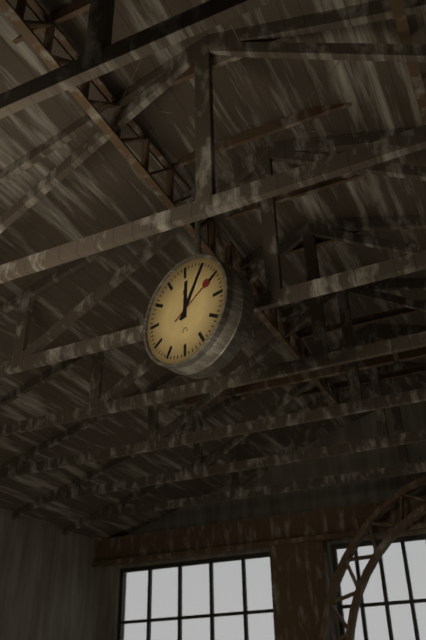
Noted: **12:05**
